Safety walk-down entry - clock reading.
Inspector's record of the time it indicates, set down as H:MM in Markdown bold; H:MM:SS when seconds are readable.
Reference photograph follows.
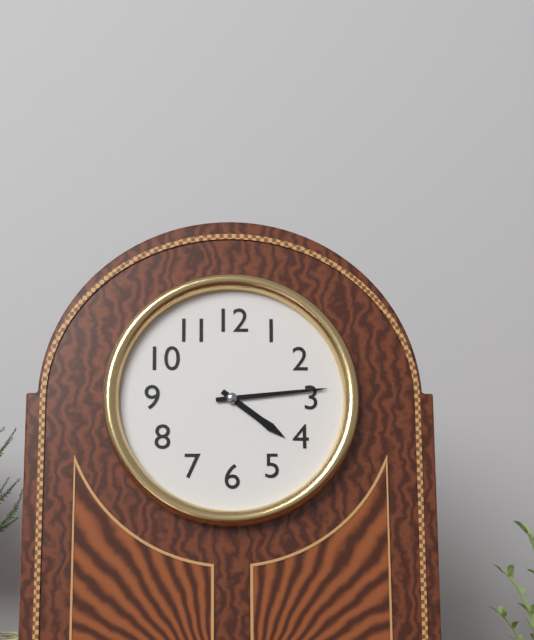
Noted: **4:14**
